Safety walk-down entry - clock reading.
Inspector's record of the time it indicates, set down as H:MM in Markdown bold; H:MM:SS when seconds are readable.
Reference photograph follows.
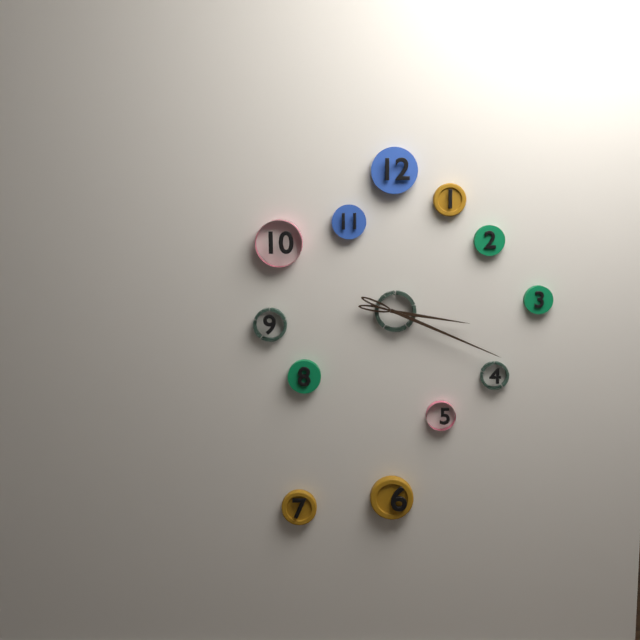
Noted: **3:19**
